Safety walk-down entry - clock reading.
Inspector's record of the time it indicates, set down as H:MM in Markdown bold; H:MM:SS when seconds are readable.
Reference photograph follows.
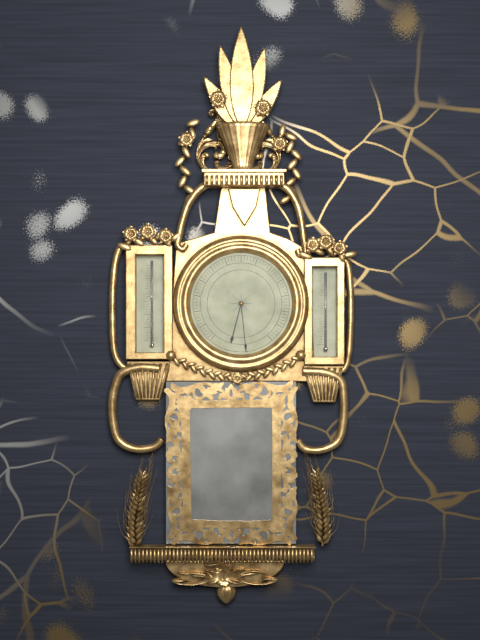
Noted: **6:29**
